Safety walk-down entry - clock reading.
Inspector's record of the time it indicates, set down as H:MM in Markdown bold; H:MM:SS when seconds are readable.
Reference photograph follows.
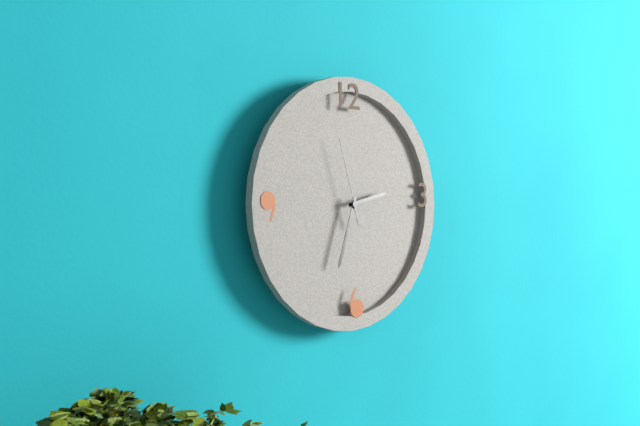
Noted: **2:33:57**
